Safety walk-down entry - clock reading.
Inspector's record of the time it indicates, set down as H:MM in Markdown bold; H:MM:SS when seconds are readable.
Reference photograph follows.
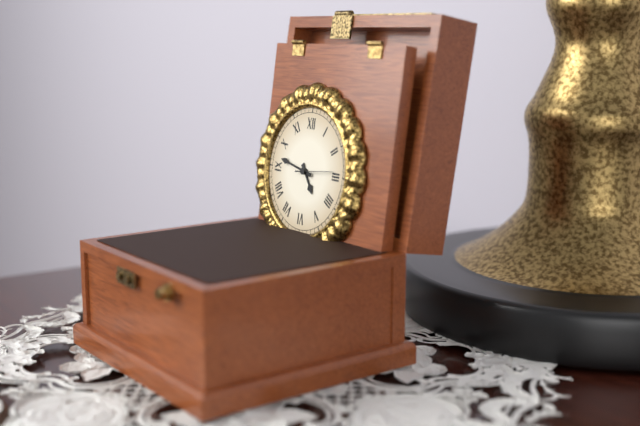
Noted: **4:47**
